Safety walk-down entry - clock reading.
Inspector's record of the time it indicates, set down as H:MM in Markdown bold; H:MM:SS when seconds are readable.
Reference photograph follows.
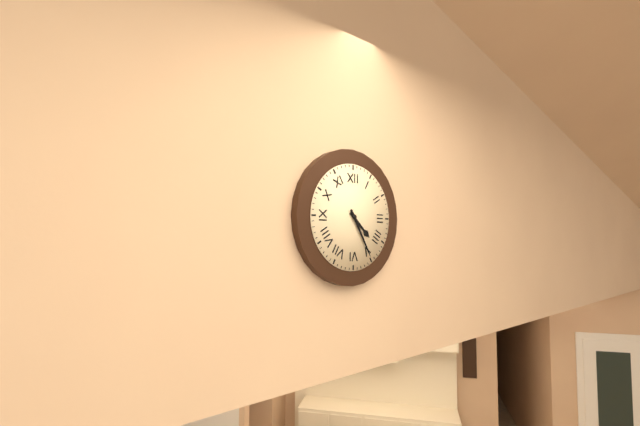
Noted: **4:25**
